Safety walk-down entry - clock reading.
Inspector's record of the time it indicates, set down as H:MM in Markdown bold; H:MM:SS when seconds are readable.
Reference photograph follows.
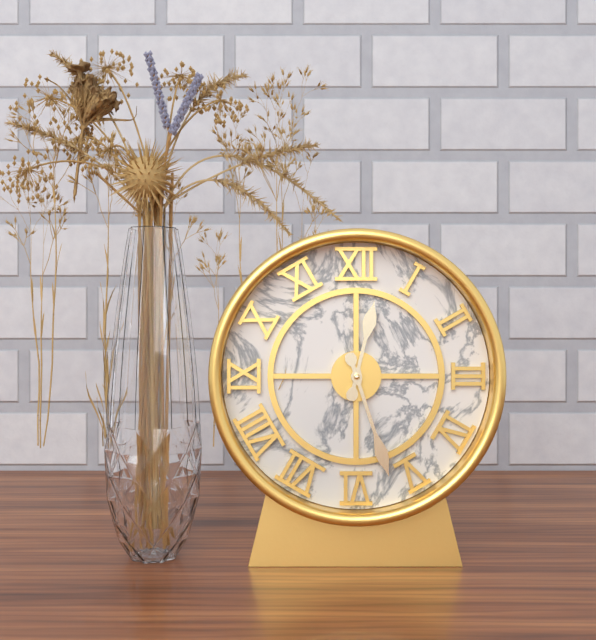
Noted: **12:27**
